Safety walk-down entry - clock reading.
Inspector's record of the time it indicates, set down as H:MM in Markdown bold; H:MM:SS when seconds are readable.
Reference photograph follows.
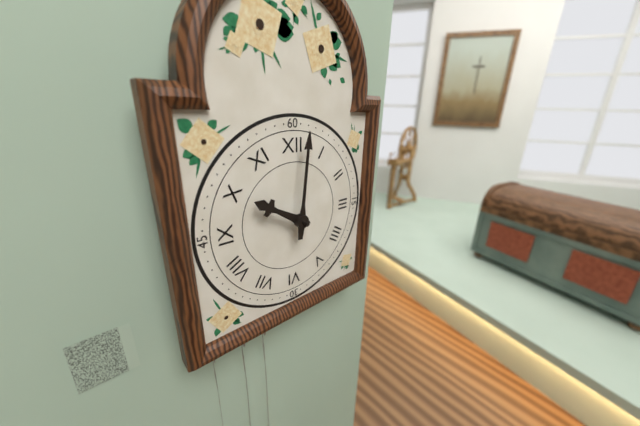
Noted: **10:01**
